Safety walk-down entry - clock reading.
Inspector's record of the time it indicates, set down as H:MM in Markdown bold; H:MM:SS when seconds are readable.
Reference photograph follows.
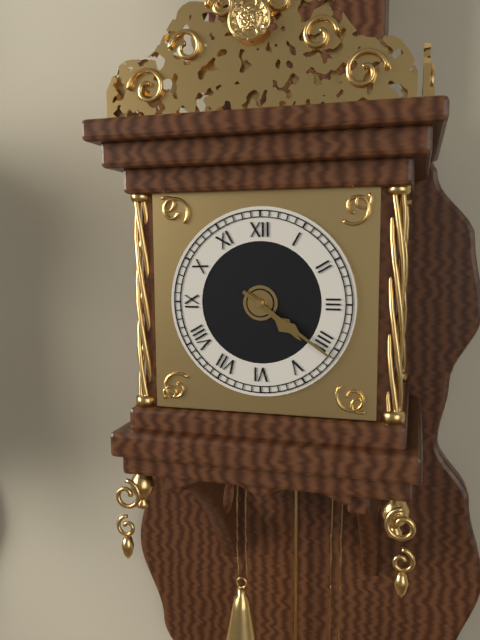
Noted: **4:21**
